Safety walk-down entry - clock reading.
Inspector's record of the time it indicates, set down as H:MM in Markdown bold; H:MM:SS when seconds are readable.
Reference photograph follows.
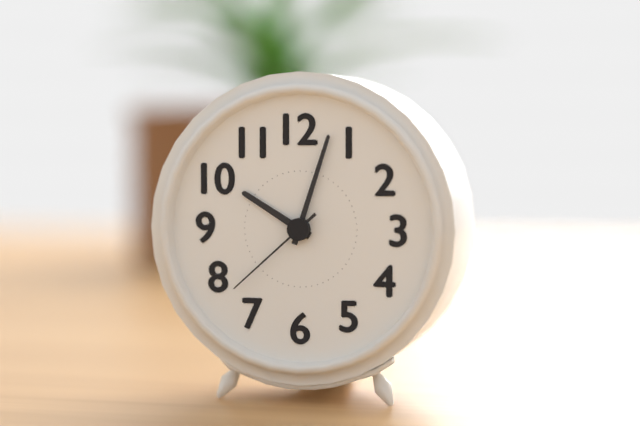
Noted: **10:03:38**
